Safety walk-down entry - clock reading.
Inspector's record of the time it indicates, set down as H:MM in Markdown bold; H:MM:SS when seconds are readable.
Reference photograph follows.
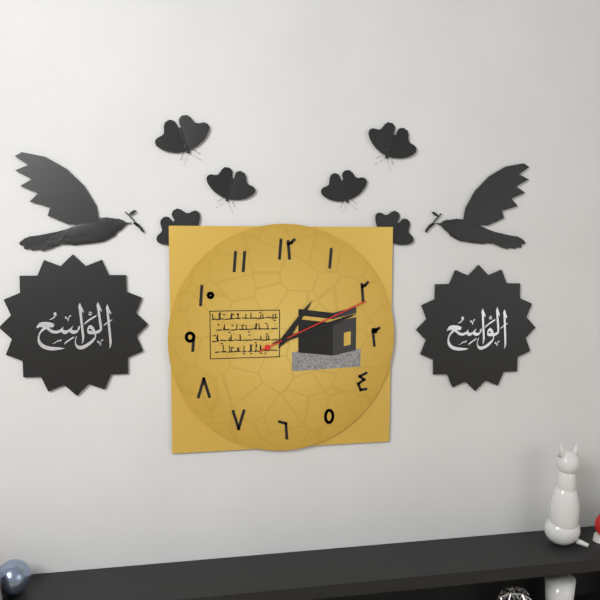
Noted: **1:12:11**
